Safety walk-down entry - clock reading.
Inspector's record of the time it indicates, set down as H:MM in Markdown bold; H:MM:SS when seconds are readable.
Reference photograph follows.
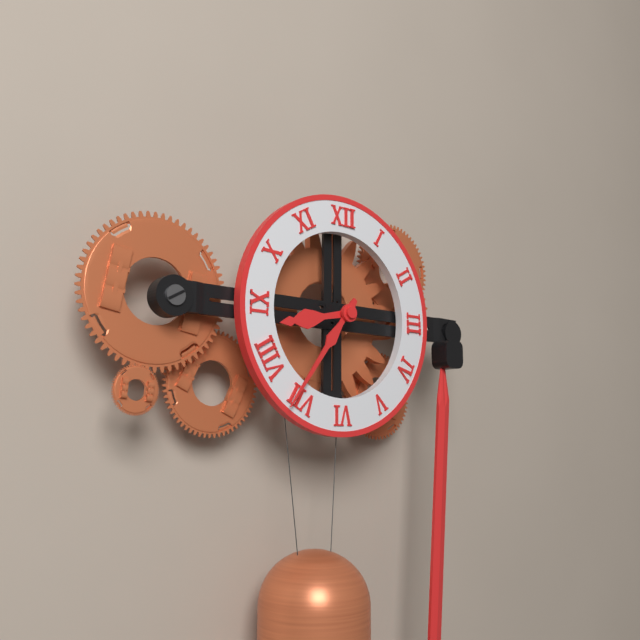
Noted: **8:36**
